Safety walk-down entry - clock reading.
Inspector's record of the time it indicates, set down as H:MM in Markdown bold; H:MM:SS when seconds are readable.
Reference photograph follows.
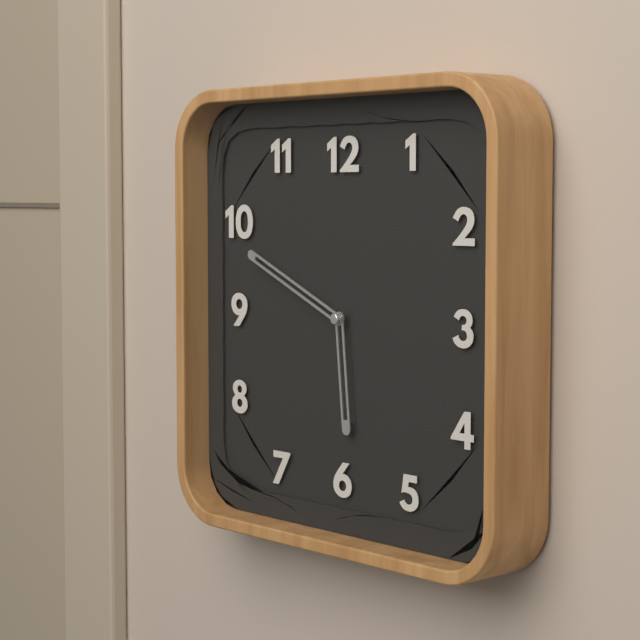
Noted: **5:49**
